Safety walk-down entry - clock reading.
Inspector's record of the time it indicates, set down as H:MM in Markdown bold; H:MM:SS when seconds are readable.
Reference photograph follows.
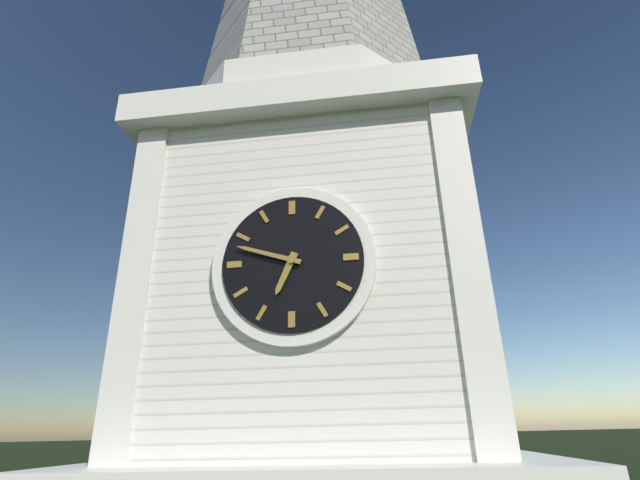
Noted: **6:48**
